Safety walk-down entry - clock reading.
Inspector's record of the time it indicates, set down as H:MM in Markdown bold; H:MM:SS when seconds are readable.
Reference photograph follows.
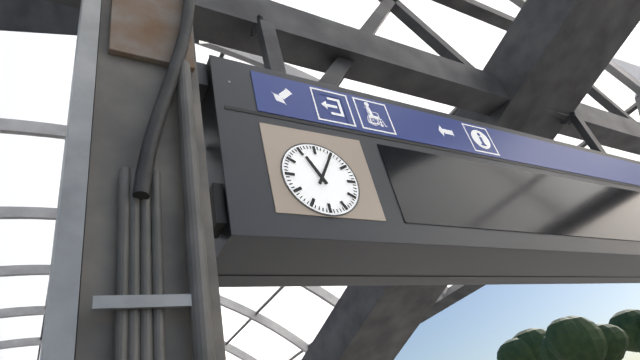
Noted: **11:05**
